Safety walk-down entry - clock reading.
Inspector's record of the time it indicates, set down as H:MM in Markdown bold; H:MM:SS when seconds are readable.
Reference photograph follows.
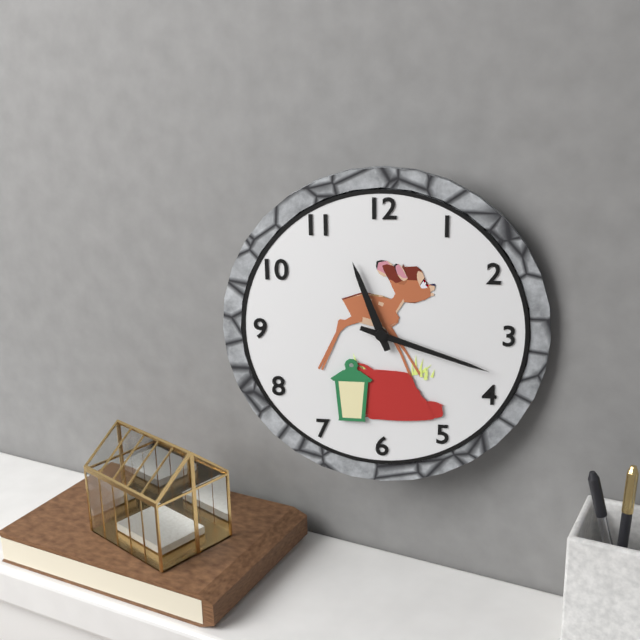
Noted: **11:18**
